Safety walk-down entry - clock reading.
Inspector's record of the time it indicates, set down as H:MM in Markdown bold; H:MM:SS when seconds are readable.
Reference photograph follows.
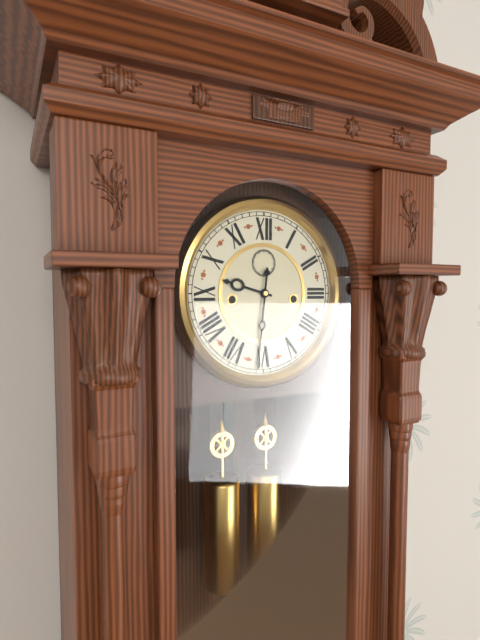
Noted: **9:31**
